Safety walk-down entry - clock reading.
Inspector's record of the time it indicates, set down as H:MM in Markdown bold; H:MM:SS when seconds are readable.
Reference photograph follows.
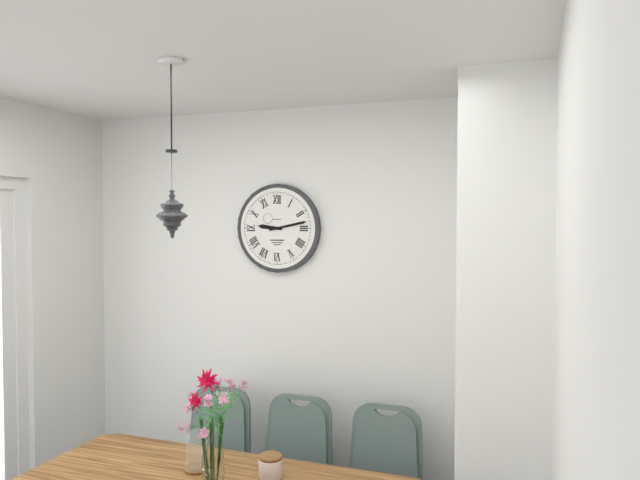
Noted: **9:13**
